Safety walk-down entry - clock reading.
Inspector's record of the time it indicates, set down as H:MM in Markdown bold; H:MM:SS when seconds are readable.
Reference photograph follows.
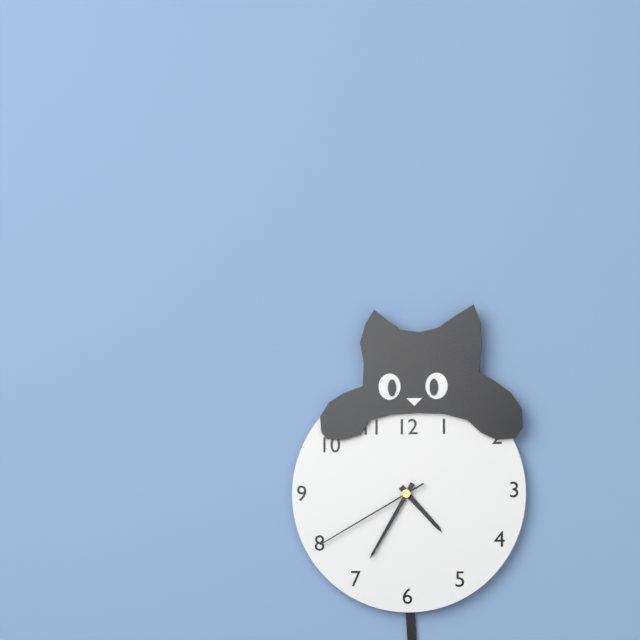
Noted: **4:35:40**
